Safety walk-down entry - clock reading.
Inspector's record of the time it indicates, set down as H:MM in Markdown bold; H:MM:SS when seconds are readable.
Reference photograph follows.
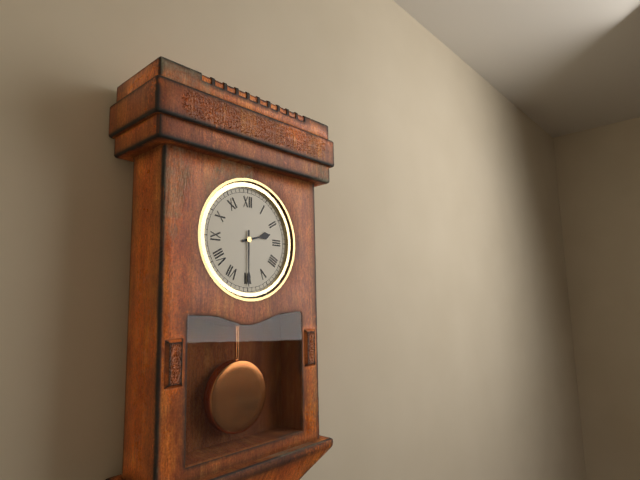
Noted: **2:30**
